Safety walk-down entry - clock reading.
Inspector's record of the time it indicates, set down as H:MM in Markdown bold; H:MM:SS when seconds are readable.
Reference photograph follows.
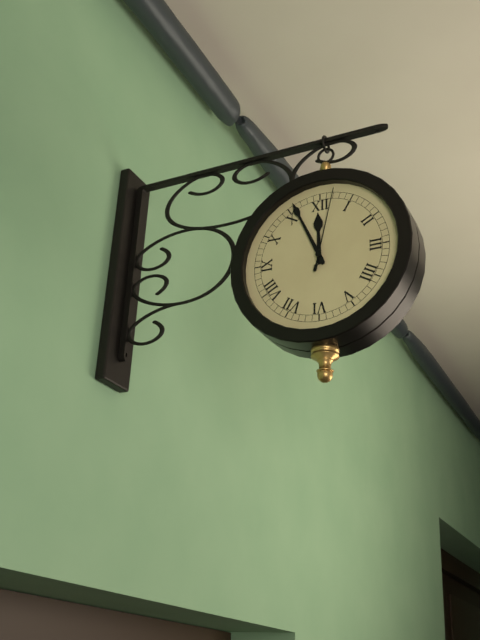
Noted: **11:56:02**
